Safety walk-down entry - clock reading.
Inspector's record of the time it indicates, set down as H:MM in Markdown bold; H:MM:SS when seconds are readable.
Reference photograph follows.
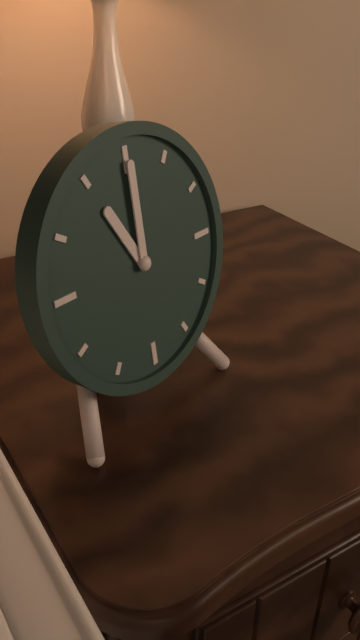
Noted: **11:00**
